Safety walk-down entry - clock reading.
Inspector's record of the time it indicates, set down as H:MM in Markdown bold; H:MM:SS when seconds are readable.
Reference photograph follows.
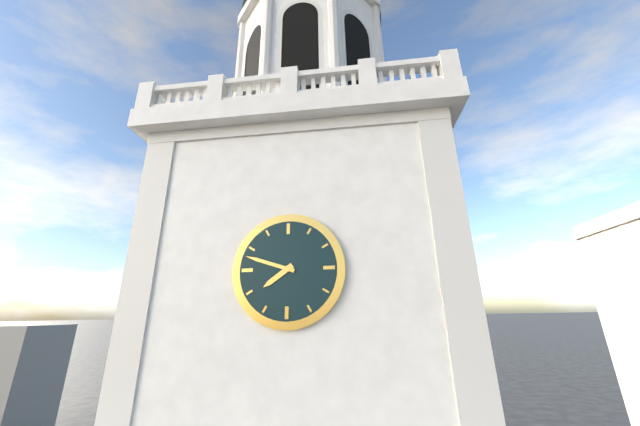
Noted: **7:48**
